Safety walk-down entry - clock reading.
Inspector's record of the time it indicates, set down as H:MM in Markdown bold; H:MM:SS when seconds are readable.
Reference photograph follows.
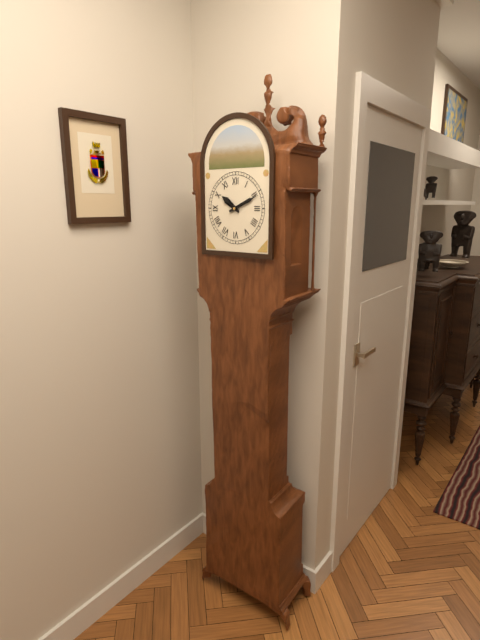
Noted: **10:11**
